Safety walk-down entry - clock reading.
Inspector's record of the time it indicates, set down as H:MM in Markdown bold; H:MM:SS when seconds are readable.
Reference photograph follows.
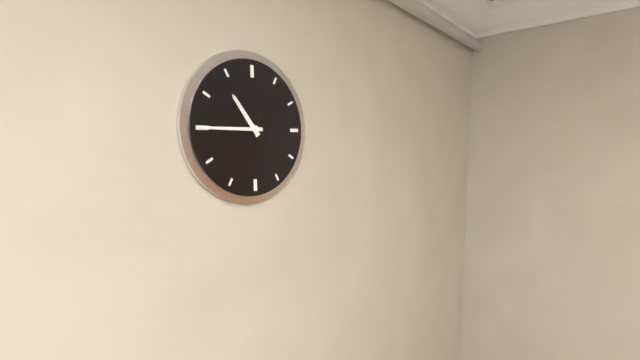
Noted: **10:45**
